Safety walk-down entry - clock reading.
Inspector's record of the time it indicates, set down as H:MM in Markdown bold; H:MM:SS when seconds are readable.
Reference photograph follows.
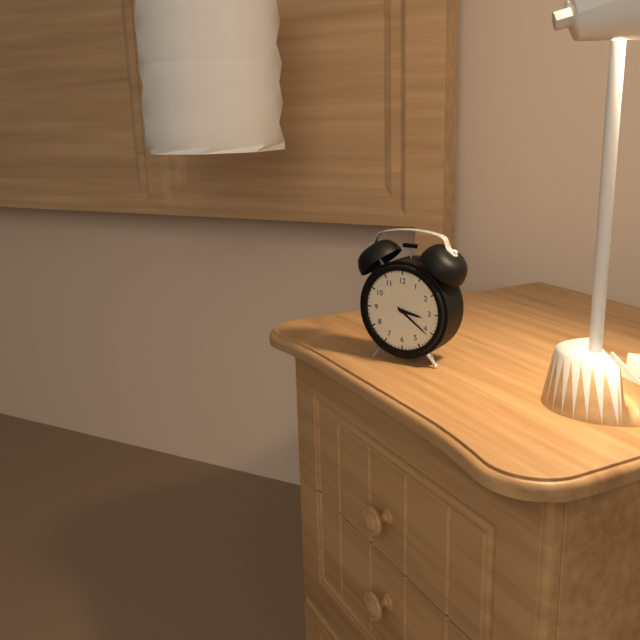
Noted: **3:21**
